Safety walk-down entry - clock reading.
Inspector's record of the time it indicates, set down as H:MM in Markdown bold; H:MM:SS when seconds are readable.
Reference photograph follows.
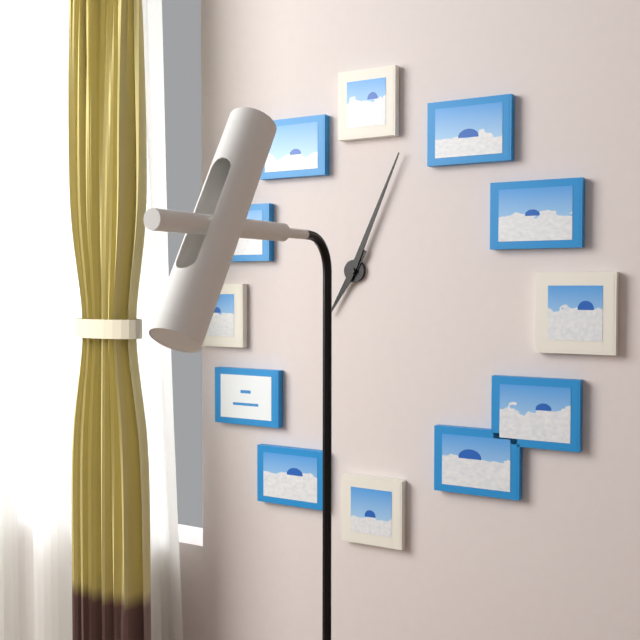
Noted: **7:04**
